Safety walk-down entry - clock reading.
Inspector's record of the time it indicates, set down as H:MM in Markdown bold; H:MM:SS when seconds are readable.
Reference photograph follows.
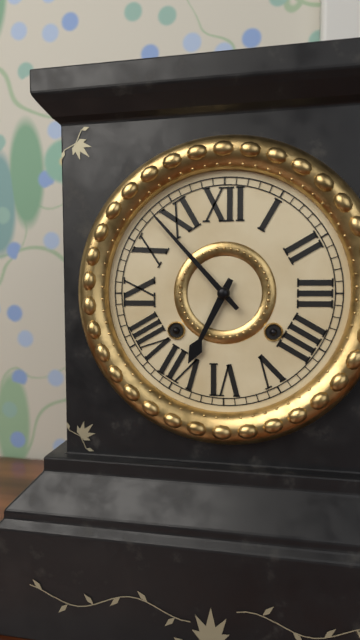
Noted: **6:53**
